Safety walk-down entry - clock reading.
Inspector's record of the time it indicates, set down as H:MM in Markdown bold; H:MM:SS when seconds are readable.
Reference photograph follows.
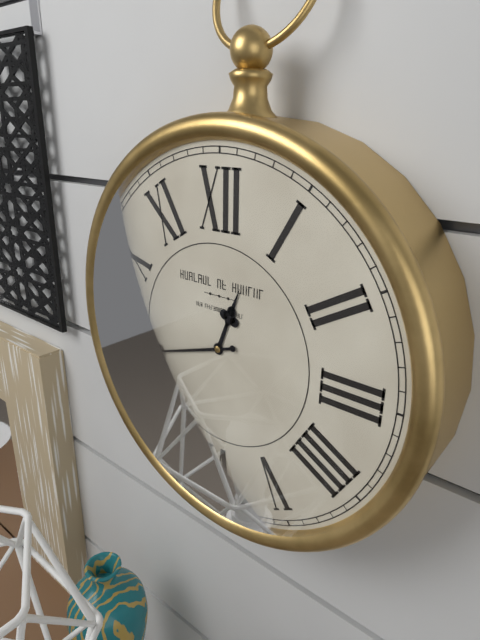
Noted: **12:42**
